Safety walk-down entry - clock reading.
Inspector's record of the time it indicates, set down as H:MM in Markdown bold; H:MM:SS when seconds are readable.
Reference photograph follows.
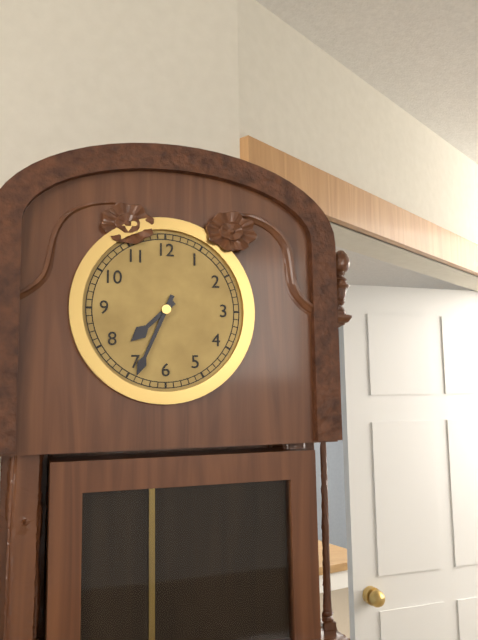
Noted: **7:34**
